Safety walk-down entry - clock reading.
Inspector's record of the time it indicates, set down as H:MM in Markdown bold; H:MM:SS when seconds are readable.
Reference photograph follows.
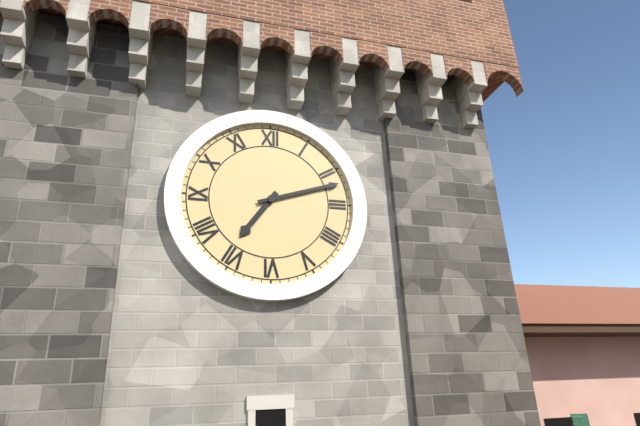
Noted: **7:12**
